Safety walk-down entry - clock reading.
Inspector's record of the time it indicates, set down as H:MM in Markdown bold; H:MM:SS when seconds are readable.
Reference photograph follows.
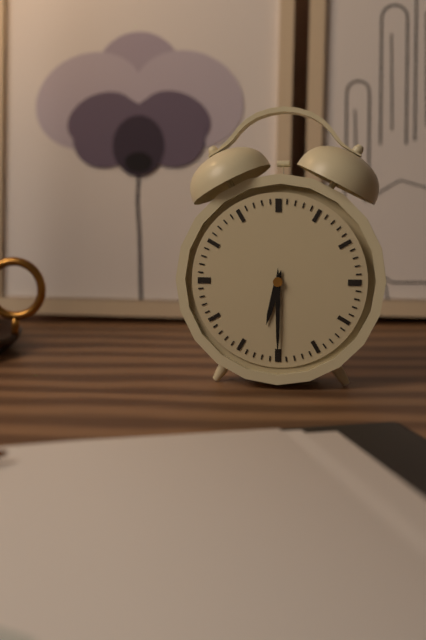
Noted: **6:30**
